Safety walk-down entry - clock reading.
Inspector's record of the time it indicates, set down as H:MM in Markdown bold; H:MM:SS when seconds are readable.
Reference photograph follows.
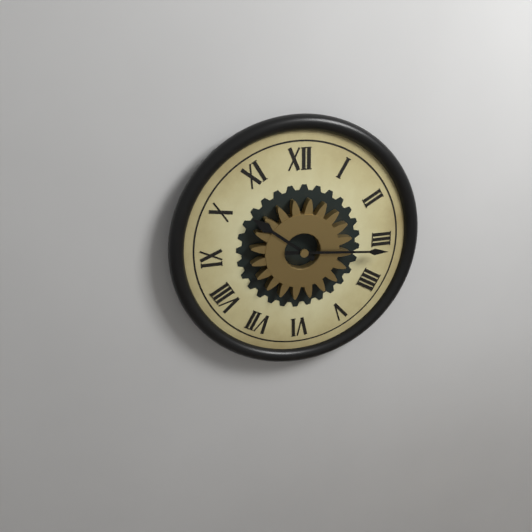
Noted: **10:16**
